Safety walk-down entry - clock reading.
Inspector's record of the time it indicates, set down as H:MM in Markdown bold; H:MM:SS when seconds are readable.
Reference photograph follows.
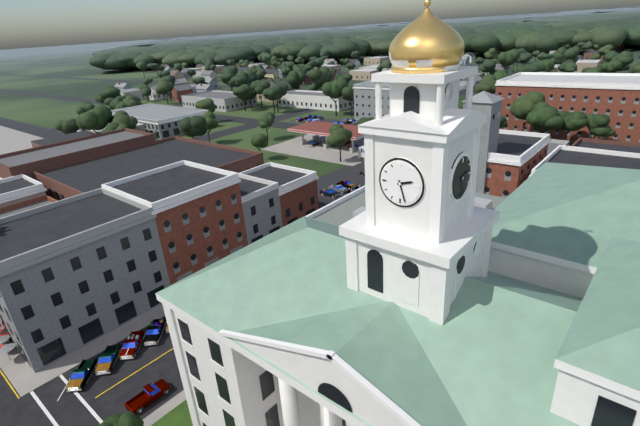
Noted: **2:27**
